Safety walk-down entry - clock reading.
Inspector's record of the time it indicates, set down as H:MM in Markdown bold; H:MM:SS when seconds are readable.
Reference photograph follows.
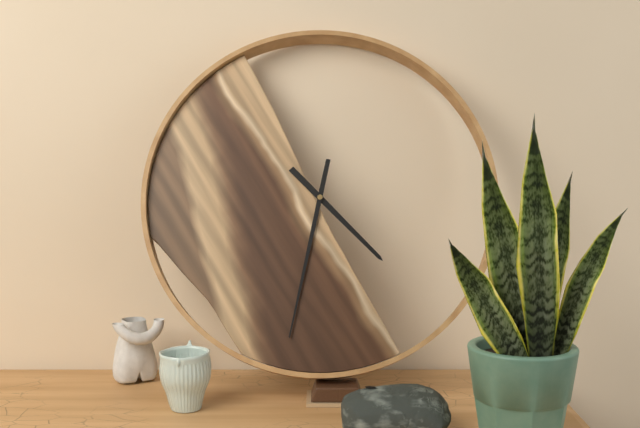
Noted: **4:32**
